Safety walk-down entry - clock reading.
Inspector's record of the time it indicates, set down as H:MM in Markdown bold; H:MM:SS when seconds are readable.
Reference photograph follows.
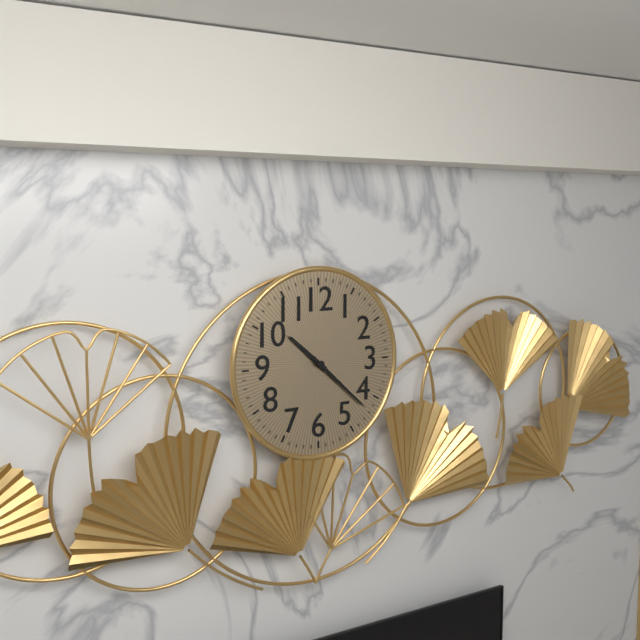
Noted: **10:22**
